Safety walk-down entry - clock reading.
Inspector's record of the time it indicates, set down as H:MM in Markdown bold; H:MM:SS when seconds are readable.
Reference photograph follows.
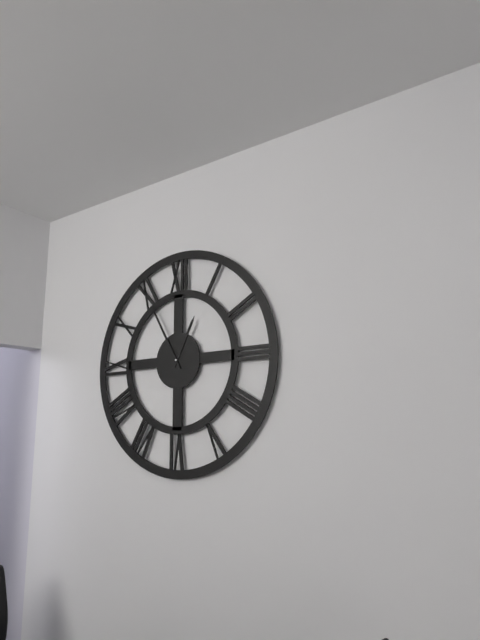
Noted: **12:55**
